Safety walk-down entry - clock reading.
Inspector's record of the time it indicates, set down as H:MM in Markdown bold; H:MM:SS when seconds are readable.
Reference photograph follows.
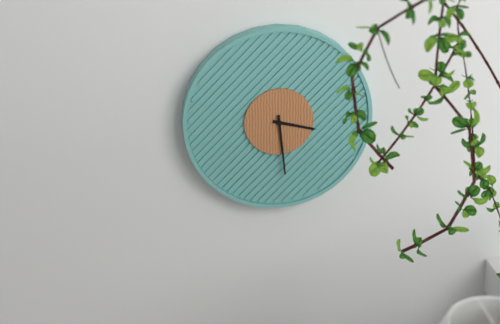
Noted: **3:29**
